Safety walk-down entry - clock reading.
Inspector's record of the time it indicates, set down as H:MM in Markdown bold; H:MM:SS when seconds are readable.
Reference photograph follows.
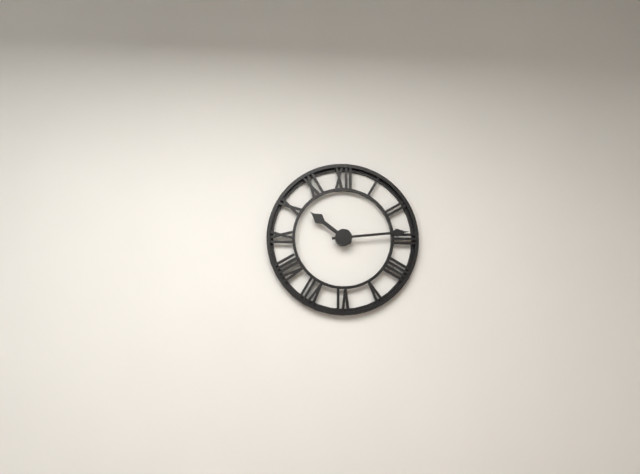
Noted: **10:14**
